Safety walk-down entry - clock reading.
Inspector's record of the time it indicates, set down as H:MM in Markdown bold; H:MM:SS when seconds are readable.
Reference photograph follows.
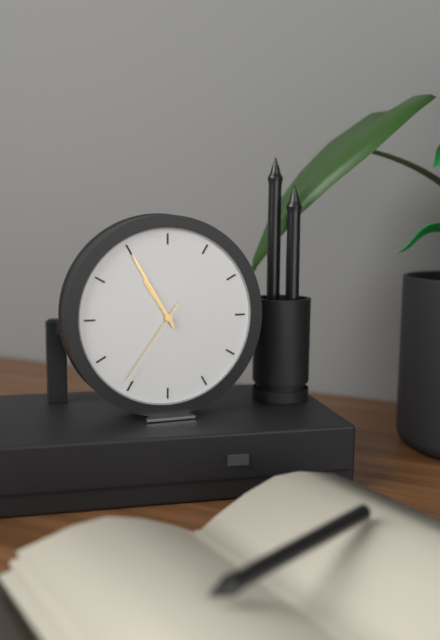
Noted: **10:55:36**
